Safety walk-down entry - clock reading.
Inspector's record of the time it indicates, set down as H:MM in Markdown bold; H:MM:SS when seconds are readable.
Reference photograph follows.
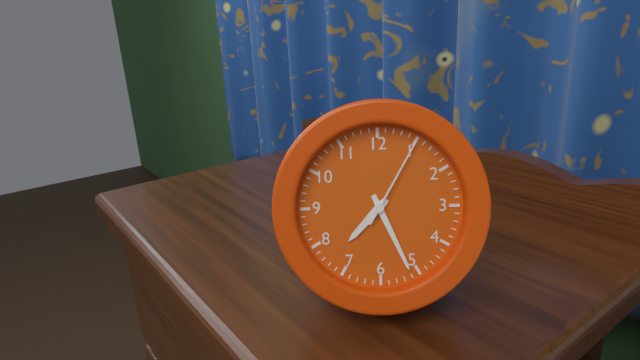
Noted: **7:26:05**
